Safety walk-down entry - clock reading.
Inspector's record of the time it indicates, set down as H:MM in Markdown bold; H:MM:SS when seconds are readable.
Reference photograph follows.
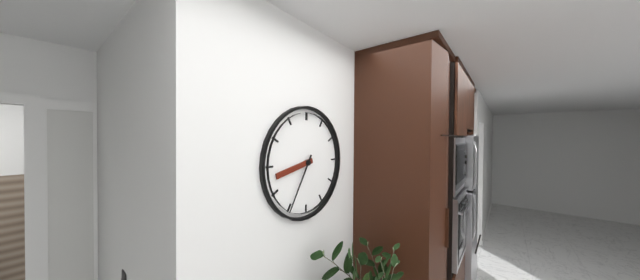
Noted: **8:35**
